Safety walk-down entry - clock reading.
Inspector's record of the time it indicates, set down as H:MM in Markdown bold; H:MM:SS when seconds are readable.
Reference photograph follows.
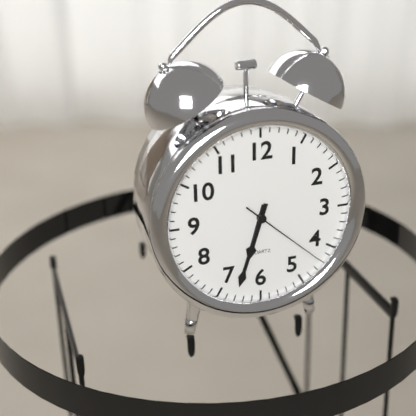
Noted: **6:33:22**
